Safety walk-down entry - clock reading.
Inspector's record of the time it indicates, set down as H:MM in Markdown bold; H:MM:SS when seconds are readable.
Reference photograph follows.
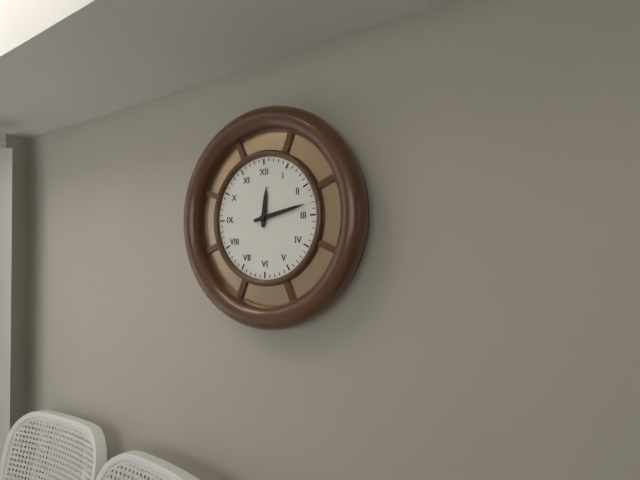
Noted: **12:13**
